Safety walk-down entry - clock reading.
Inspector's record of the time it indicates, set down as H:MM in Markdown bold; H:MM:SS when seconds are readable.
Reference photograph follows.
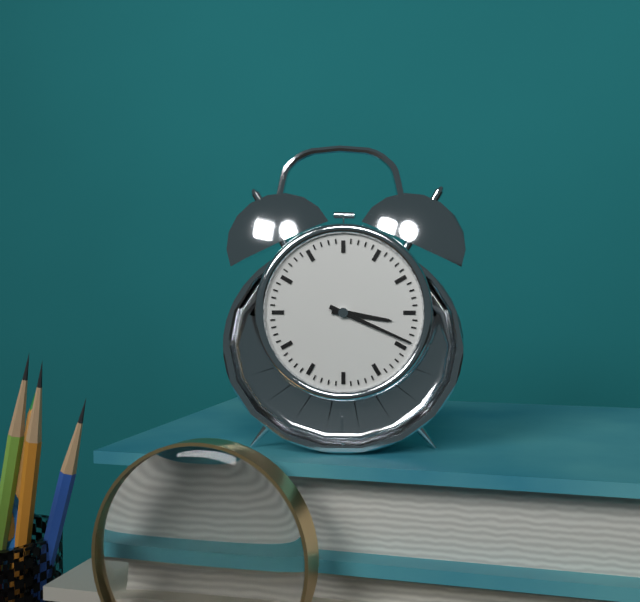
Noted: **3:19**
